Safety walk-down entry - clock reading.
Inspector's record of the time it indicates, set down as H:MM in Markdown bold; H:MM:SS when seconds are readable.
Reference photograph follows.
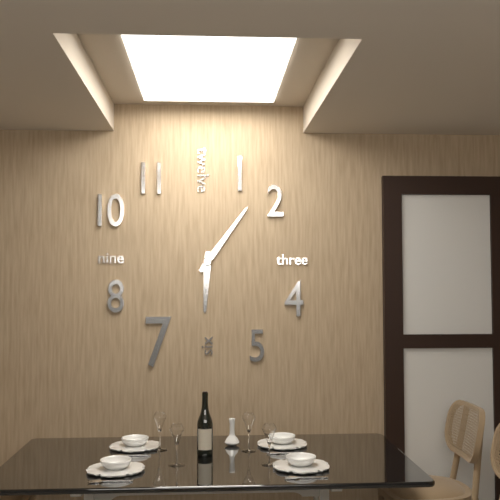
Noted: **6:06**
